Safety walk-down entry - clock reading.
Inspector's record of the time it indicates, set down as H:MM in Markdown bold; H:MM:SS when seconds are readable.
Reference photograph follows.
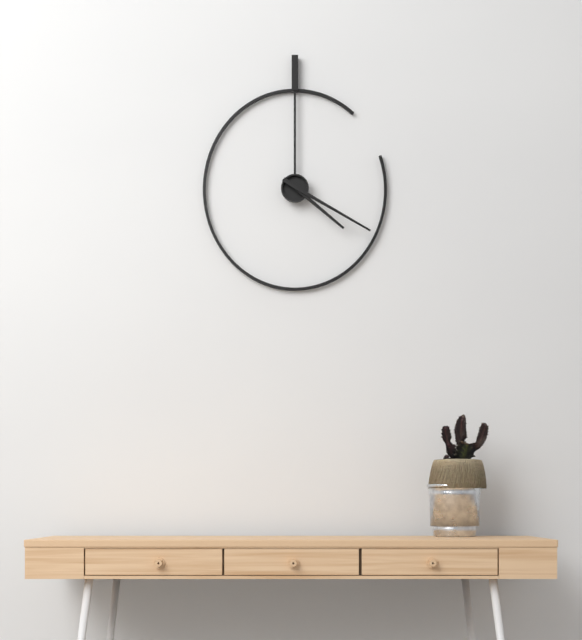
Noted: **4:20**
